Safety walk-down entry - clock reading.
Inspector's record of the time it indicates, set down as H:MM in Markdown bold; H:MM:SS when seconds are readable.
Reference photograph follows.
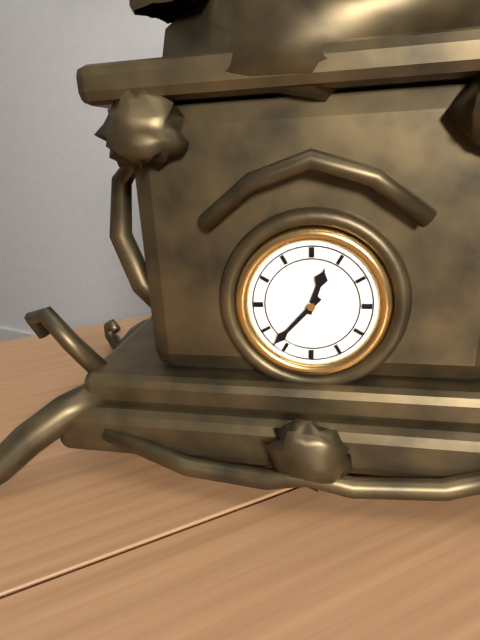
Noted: **12:37**
